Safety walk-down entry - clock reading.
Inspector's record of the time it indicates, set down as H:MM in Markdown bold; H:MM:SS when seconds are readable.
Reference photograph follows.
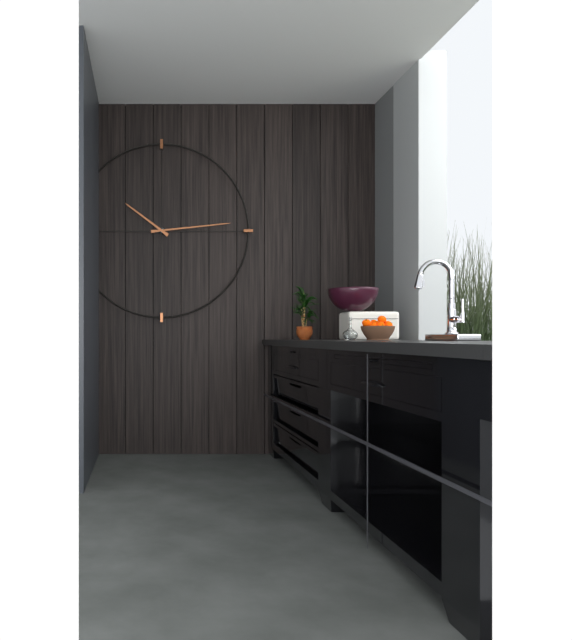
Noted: **10:14**
